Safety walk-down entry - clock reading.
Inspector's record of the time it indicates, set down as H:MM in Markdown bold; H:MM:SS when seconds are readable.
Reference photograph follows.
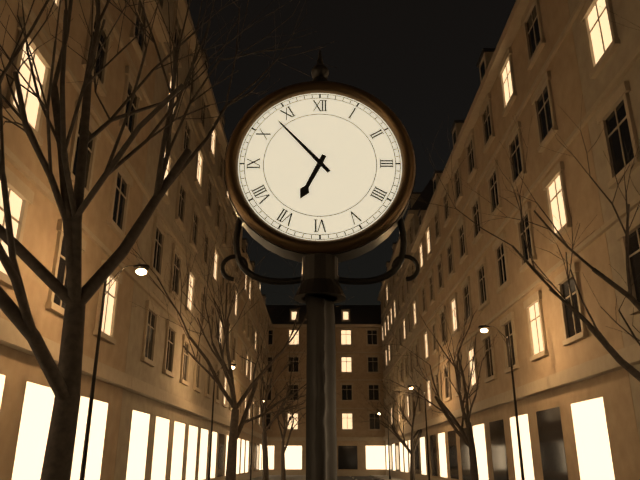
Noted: **6:53**
